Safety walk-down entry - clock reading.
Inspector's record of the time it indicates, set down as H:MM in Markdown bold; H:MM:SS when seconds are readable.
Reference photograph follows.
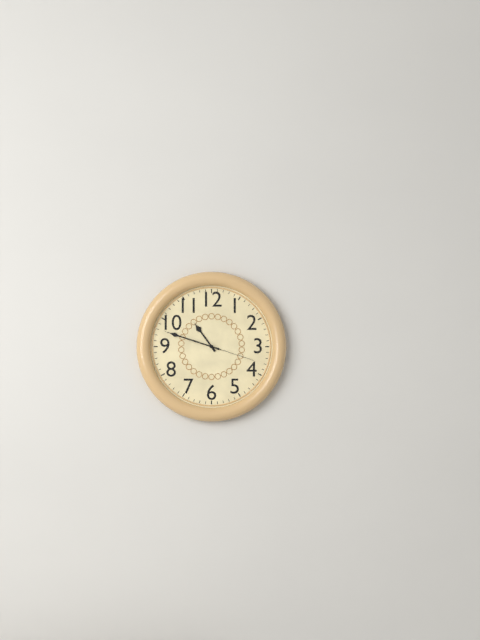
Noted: **10:48:18**
